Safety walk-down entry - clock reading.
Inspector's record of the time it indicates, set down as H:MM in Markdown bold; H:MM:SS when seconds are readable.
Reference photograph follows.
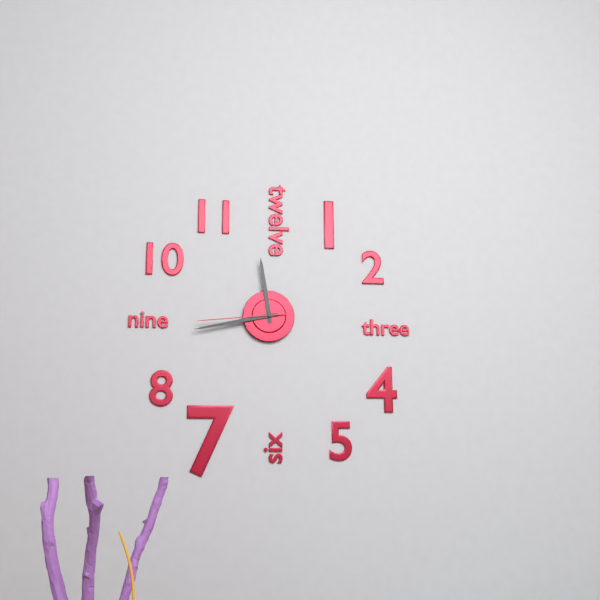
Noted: **11:43:44**
